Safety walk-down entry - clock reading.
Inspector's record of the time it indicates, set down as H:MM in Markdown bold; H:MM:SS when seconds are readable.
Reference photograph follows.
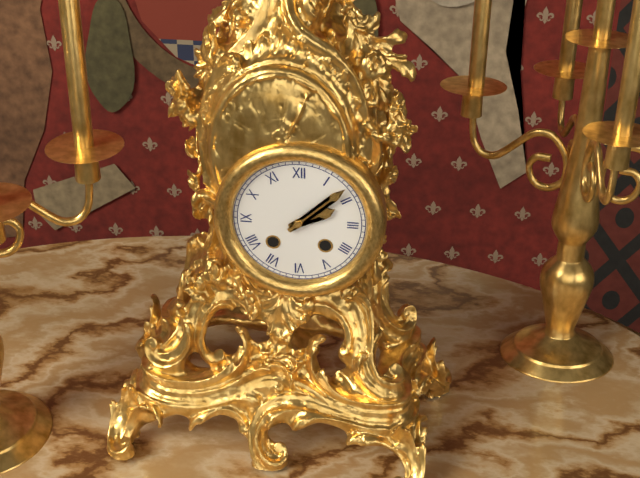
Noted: **2:08**
